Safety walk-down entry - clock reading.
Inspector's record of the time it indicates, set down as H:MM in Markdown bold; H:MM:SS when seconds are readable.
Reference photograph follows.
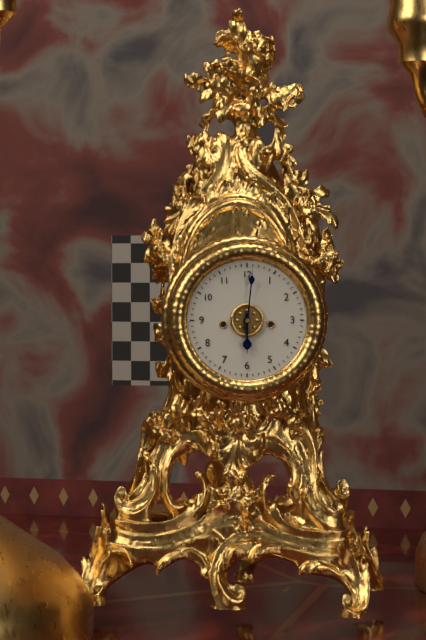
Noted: **6:01**
